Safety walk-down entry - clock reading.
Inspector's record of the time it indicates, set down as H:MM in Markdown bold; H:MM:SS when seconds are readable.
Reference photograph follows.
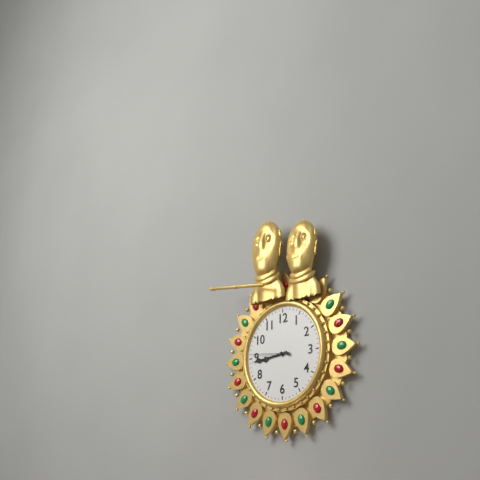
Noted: **8:44**
